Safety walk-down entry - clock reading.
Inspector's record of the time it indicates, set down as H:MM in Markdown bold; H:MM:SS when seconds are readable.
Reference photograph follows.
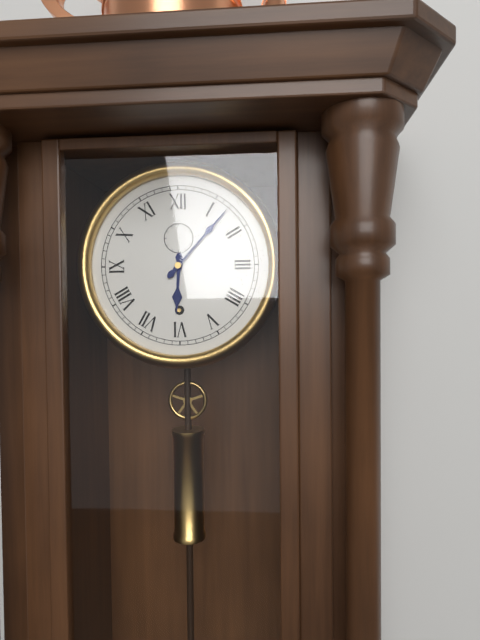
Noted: **6:07**
